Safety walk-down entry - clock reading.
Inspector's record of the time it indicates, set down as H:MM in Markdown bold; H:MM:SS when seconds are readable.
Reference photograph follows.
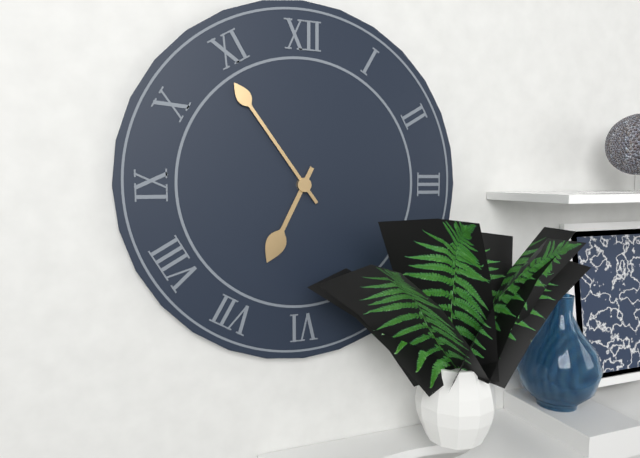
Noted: **6:54**
